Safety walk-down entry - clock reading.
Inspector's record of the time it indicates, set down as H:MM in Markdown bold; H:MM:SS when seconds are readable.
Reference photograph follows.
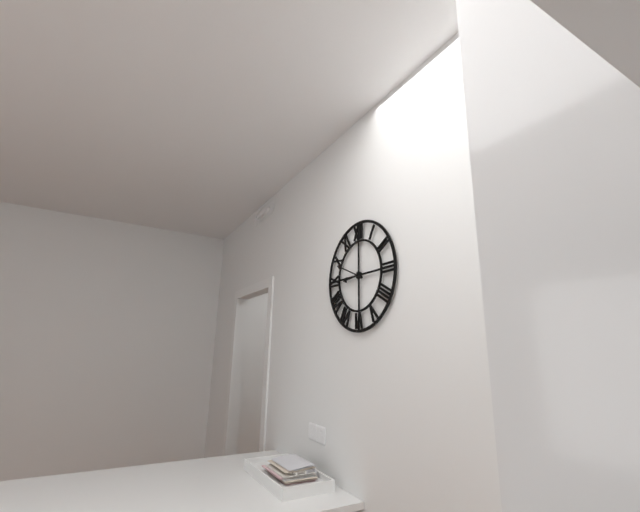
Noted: **8:49**
